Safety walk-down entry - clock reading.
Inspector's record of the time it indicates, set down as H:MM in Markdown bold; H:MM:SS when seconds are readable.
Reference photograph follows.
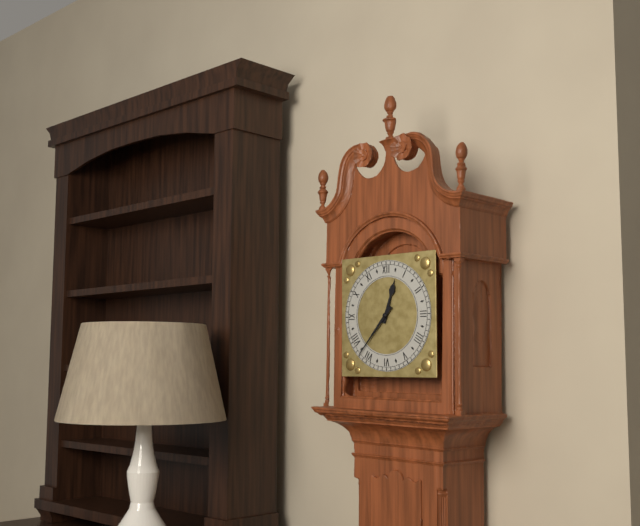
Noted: **12:37**
